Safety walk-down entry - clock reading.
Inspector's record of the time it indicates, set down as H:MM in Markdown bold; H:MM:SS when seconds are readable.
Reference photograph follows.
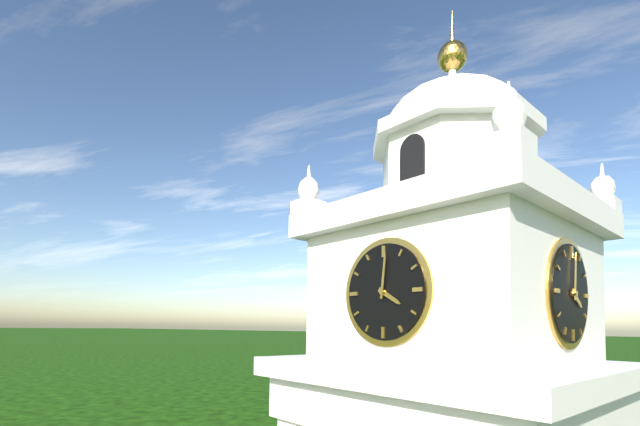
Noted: **4:01**
